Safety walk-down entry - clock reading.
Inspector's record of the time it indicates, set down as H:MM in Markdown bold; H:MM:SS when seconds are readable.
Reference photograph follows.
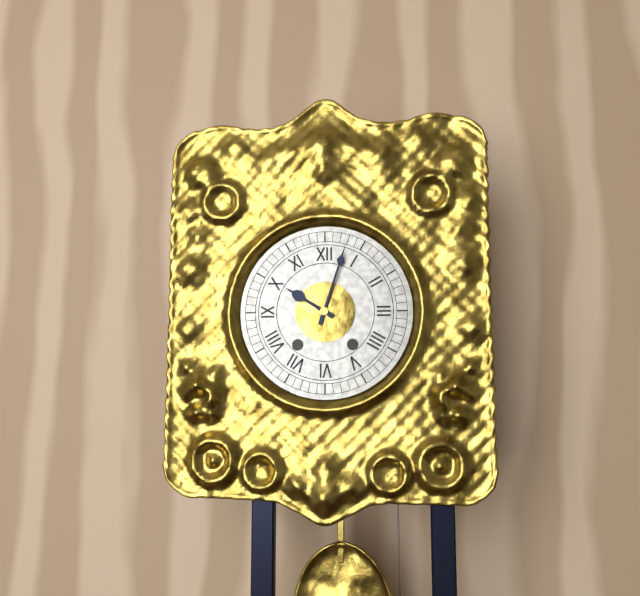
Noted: **10:03**
